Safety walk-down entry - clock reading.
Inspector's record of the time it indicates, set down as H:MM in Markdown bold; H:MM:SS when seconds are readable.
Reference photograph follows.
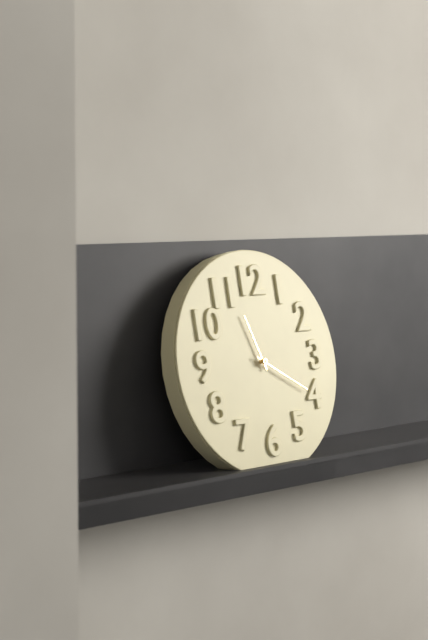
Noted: **11:20**
